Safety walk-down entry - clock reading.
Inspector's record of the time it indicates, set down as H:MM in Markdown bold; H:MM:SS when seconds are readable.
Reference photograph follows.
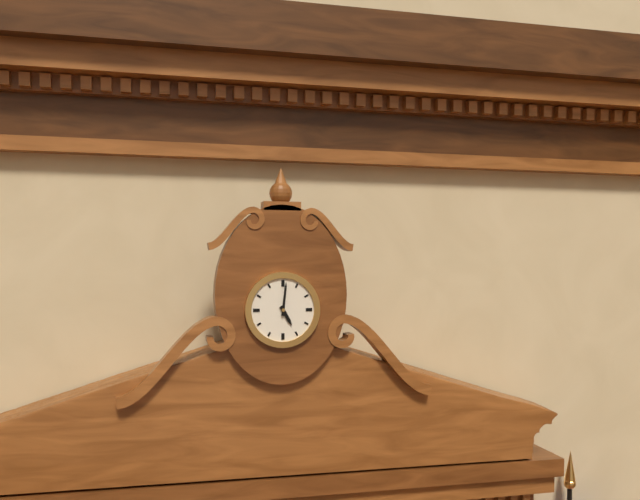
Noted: **5:01**
